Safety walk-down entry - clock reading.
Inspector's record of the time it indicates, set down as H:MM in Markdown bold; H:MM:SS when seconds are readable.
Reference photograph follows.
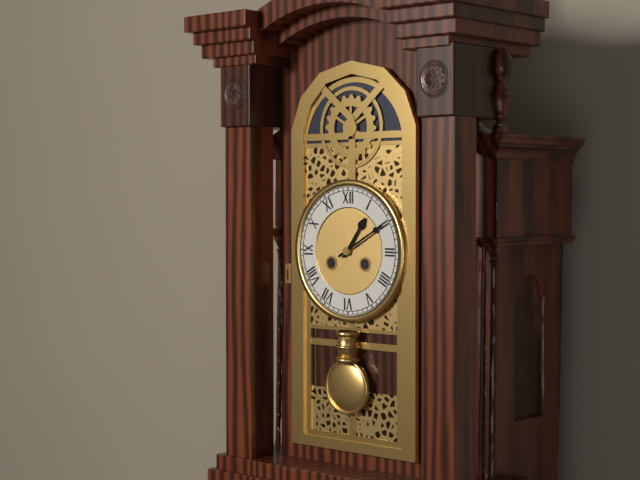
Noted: **1:10**
